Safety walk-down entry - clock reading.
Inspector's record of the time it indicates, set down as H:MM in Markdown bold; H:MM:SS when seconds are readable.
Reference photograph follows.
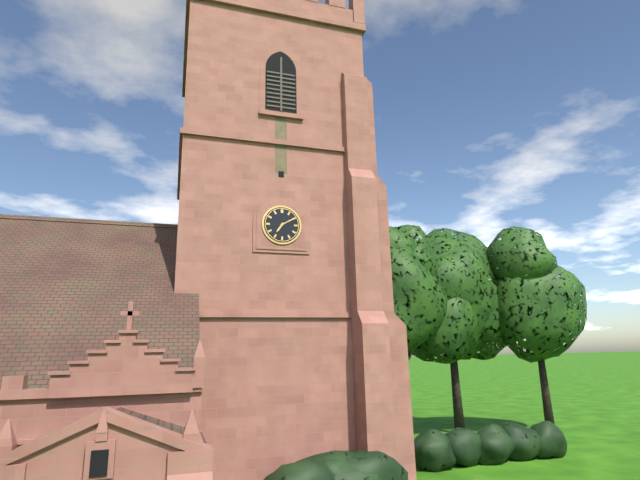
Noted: **7:10**
